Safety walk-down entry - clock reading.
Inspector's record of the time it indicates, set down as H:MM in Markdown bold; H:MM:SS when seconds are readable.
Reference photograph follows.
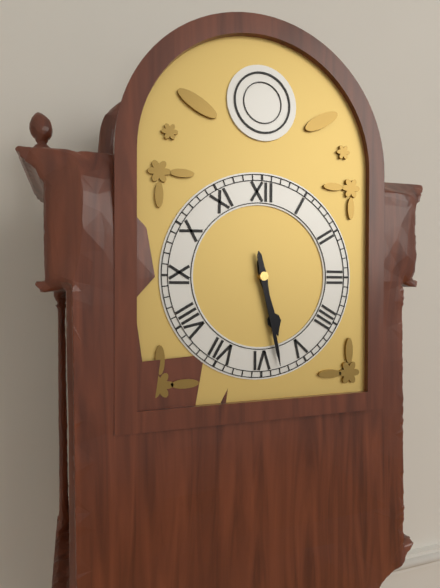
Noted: **5:28**
